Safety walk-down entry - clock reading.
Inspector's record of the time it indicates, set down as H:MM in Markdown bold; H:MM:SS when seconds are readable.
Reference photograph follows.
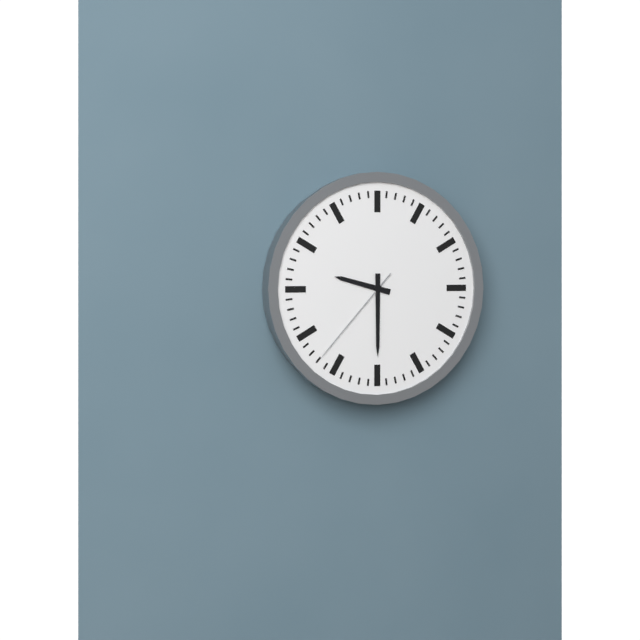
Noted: **9:30:37**
